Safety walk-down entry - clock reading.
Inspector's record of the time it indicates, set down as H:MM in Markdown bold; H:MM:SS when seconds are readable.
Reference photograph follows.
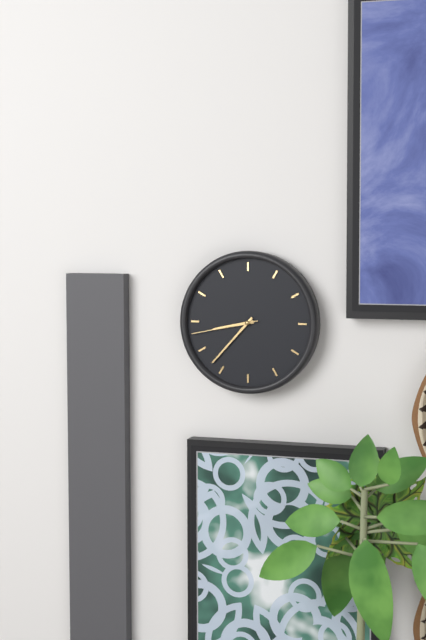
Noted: **8:37:43**
